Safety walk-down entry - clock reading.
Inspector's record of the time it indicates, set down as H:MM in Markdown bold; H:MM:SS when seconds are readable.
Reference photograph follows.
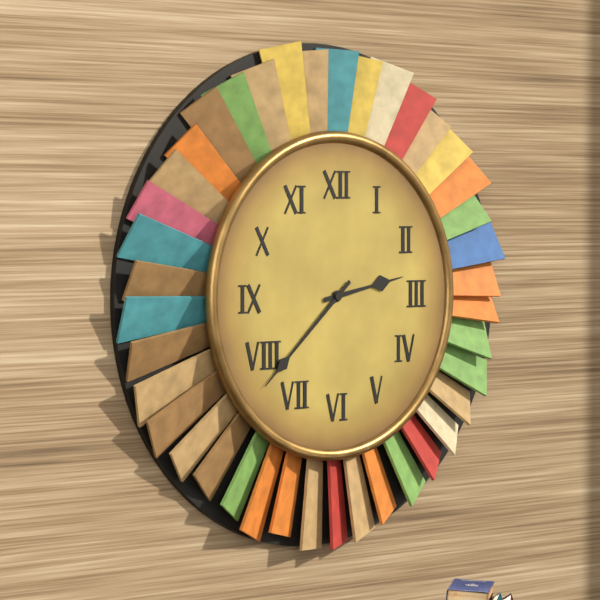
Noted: **2:38**
